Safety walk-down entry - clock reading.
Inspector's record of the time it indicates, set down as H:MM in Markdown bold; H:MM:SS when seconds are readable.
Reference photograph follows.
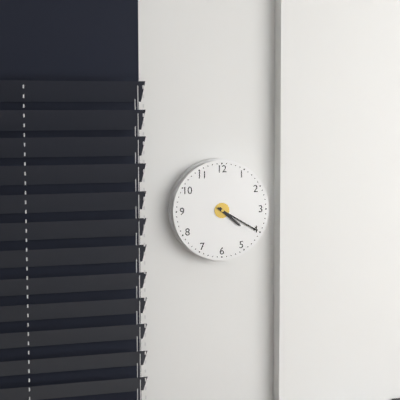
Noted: **4:20**
